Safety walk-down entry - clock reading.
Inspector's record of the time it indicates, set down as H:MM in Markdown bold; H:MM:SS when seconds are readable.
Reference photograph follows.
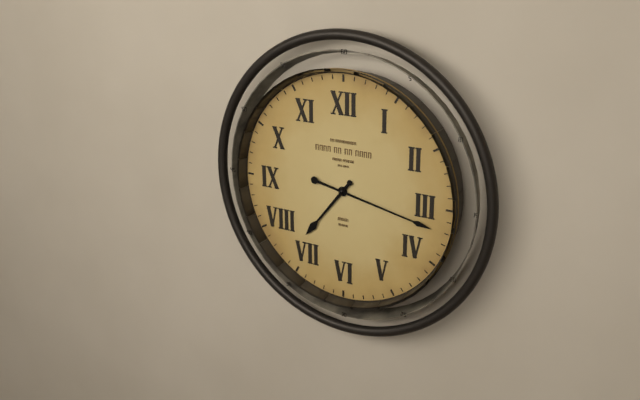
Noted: **7:17**
